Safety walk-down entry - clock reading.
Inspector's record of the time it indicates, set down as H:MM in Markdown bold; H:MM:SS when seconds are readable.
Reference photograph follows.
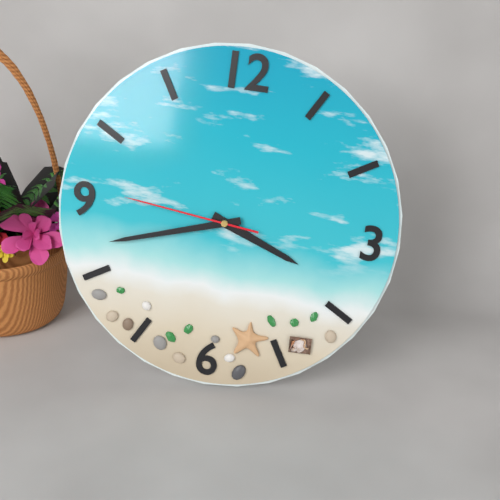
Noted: **3:42:46**
